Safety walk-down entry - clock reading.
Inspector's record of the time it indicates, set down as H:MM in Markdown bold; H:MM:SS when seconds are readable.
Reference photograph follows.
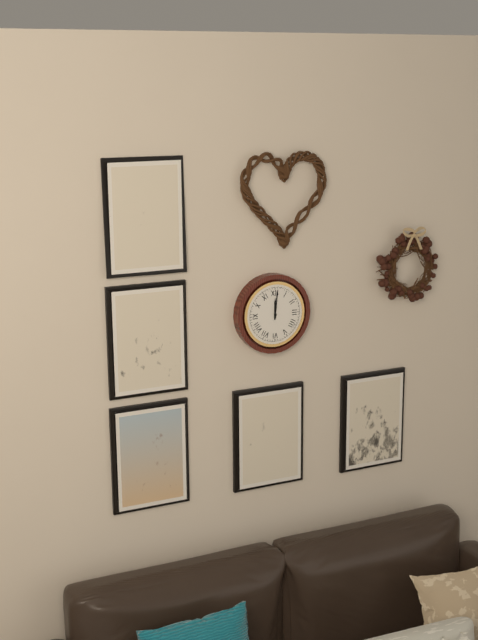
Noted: **12:01**
